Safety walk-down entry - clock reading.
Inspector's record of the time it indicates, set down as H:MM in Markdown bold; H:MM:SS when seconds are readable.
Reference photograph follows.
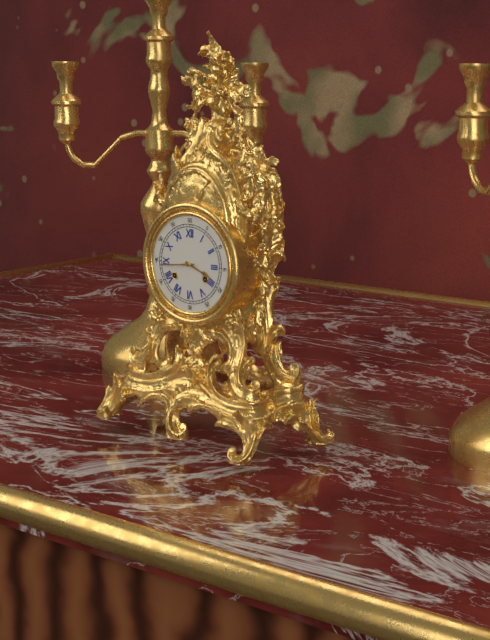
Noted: **3:44**
